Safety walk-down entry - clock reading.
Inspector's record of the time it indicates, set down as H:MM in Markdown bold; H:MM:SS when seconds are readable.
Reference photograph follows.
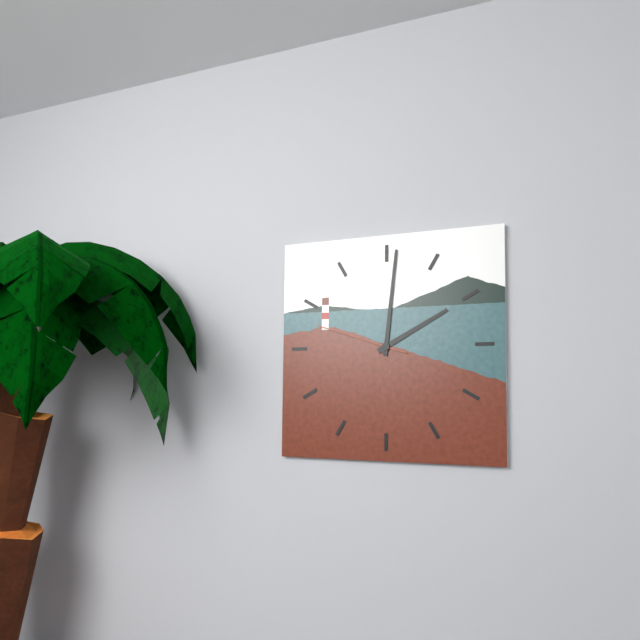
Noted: **2:01:48**
